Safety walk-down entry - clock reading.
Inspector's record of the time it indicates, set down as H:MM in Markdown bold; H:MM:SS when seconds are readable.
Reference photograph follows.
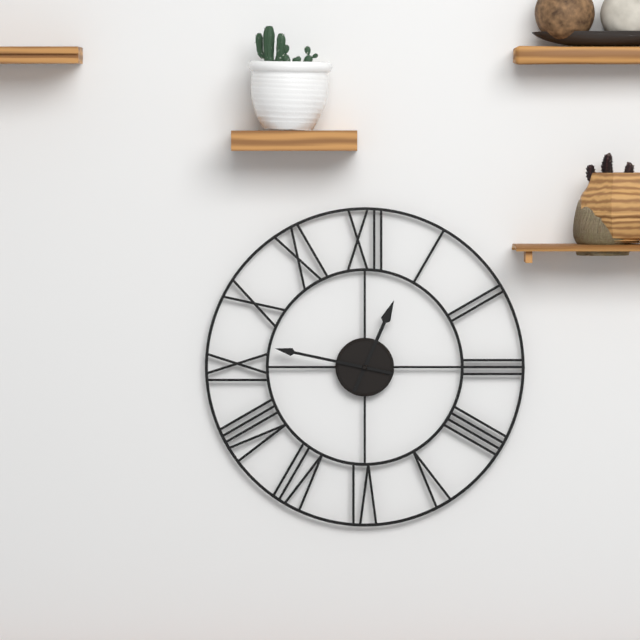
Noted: **12:47**
